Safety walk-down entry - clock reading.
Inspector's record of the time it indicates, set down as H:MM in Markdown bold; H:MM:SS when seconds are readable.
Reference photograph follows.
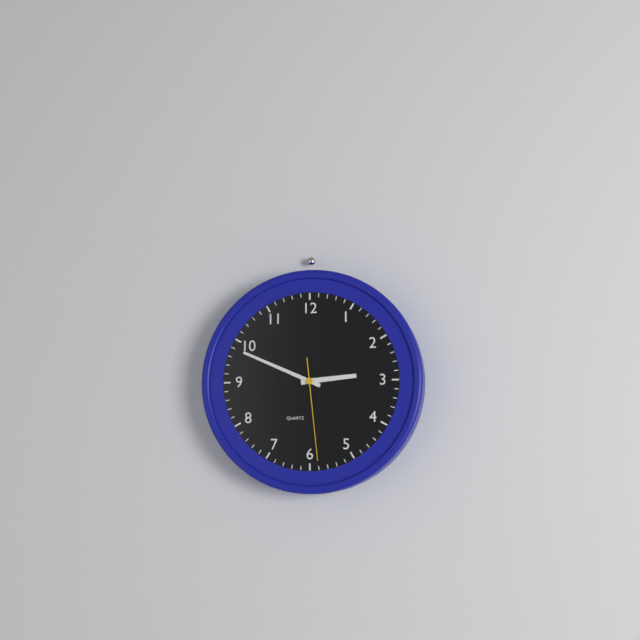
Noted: **2:49:29**
